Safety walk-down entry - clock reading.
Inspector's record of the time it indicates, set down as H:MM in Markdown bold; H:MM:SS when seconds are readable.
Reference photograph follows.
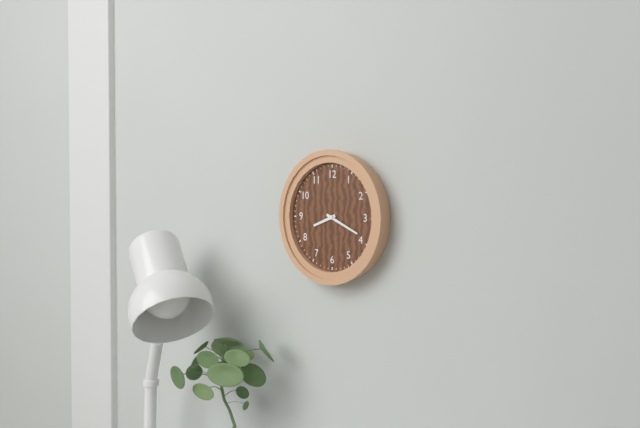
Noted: **8:19**
